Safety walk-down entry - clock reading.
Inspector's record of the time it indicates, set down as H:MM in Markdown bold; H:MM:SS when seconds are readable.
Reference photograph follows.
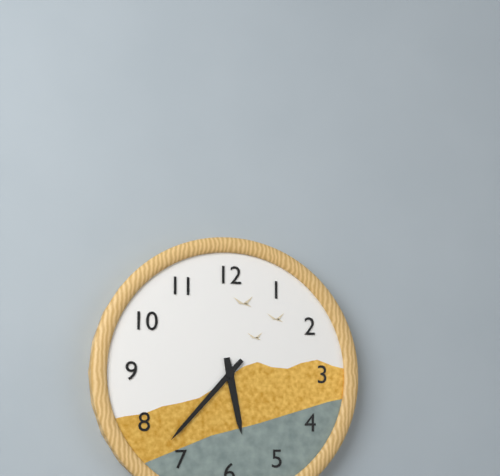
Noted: **5:37**
